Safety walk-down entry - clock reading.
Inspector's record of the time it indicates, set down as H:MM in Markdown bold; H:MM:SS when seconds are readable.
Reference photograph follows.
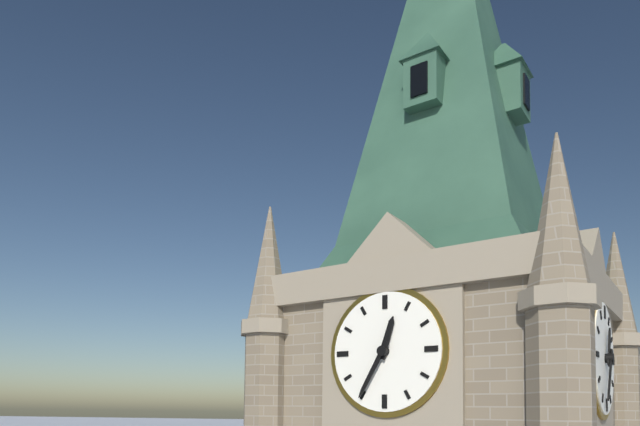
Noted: **12:35**
